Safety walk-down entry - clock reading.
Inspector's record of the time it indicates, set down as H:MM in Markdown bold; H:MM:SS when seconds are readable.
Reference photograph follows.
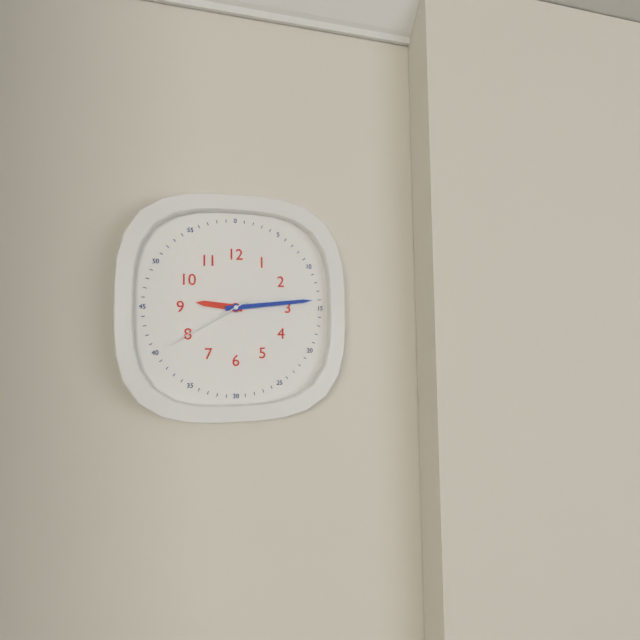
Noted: **9:14:40**
